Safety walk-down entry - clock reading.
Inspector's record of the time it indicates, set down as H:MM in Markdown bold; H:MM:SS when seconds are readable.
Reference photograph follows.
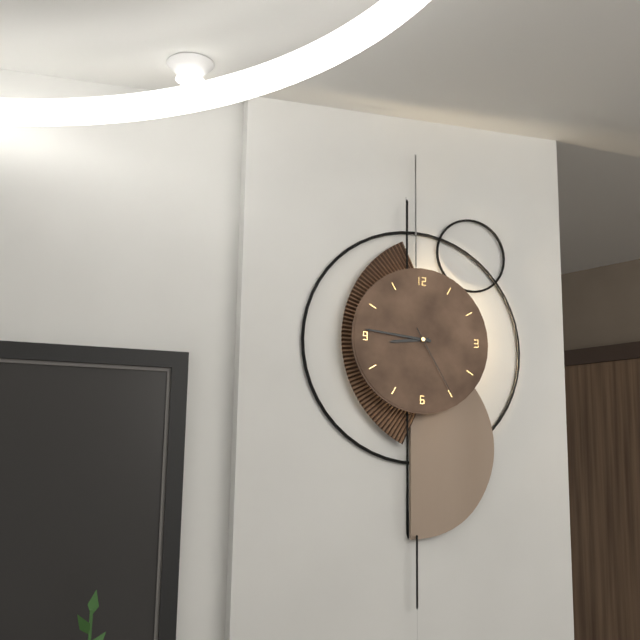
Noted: **8:46:25**
